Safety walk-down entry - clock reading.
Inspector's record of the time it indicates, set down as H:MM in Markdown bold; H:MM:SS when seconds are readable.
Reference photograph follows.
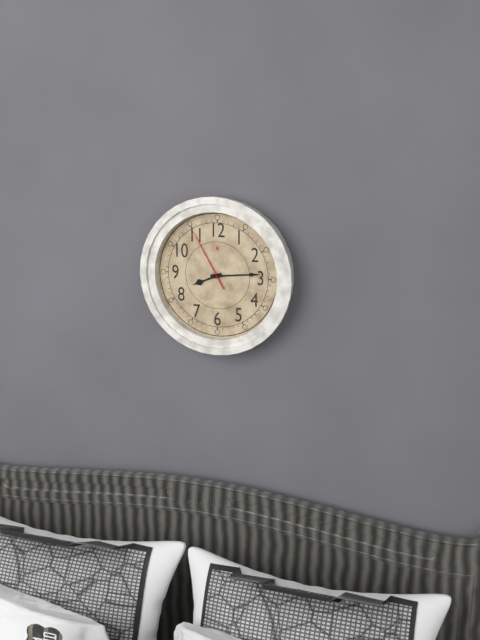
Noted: **8:14:55**
